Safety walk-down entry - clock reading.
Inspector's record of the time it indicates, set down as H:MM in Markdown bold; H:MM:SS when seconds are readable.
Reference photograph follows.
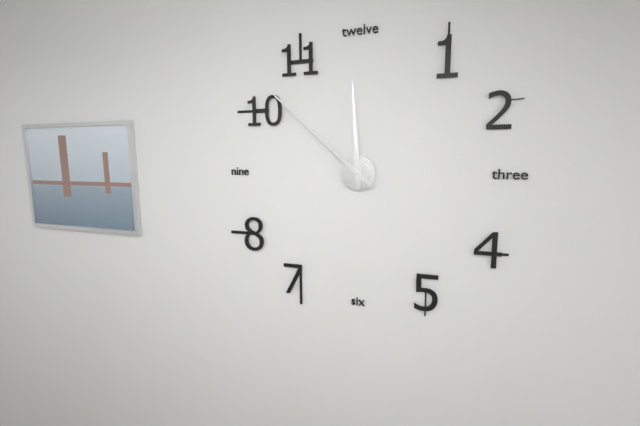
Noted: **11:52**
